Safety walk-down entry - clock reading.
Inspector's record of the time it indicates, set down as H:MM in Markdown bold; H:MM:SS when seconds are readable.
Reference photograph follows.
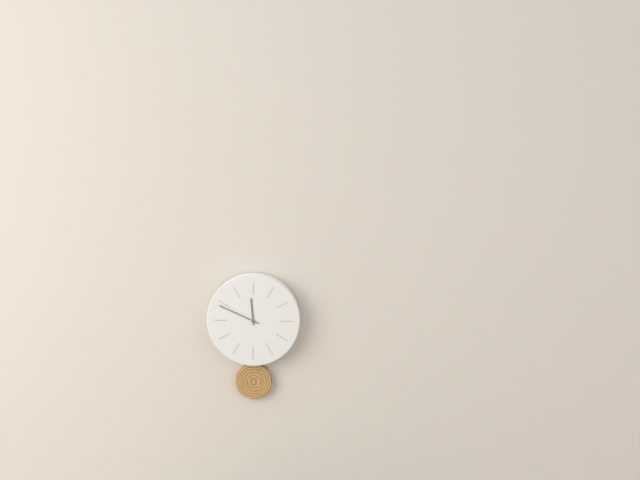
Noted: **11:49**
